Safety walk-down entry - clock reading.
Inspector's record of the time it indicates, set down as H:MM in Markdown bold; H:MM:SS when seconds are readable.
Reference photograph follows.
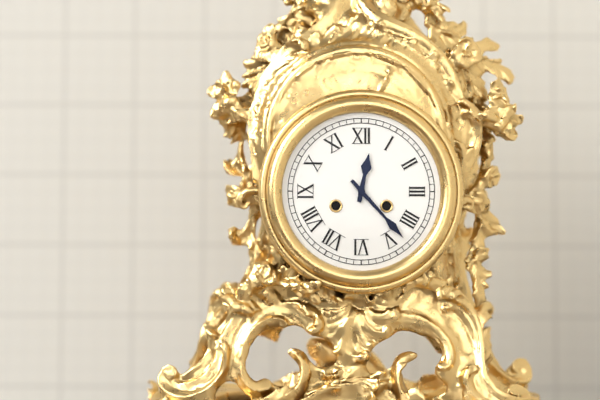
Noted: **12:23**
